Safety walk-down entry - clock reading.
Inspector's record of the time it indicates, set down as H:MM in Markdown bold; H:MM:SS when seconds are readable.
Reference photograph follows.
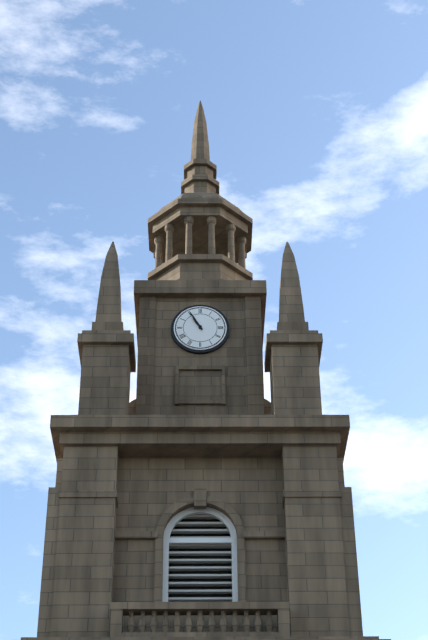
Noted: **10:55**
